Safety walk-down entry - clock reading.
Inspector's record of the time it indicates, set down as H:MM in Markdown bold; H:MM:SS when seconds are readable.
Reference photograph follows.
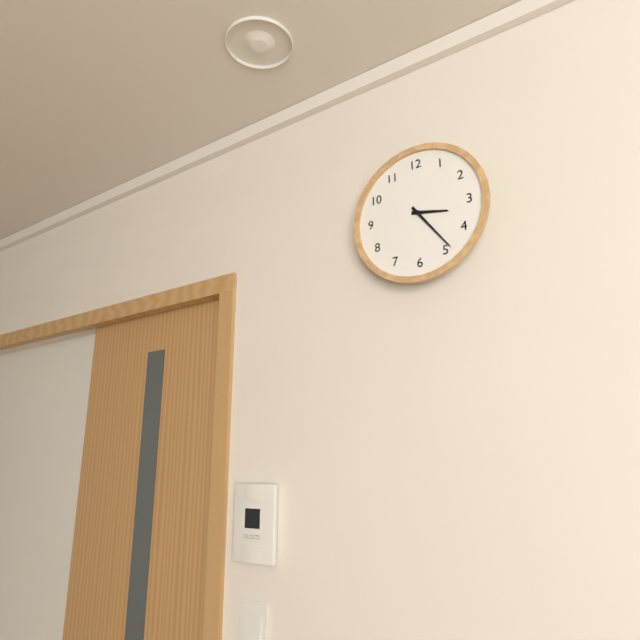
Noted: **3:24**
